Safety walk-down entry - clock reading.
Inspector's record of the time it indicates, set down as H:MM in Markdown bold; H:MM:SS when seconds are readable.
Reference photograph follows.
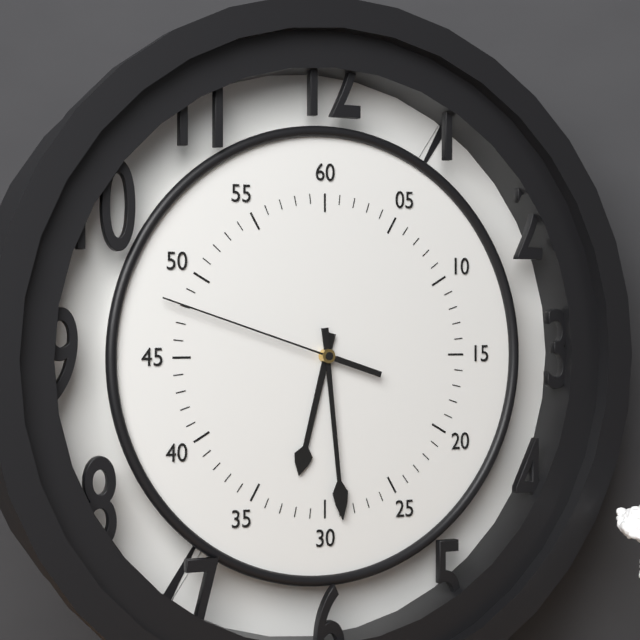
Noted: **6:29:48**
